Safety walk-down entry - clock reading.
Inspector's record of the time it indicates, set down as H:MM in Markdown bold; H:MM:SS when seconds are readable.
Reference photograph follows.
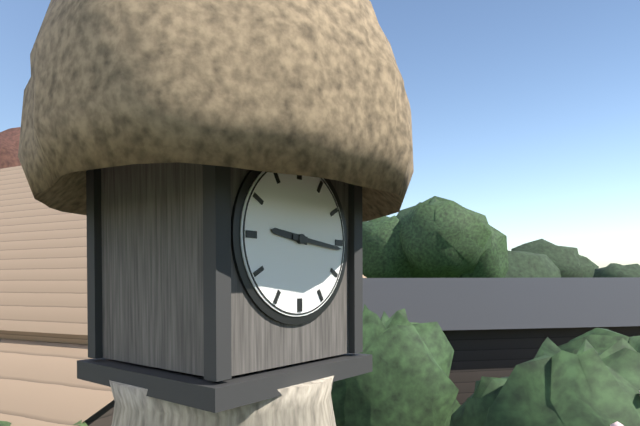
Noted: **9:16**
